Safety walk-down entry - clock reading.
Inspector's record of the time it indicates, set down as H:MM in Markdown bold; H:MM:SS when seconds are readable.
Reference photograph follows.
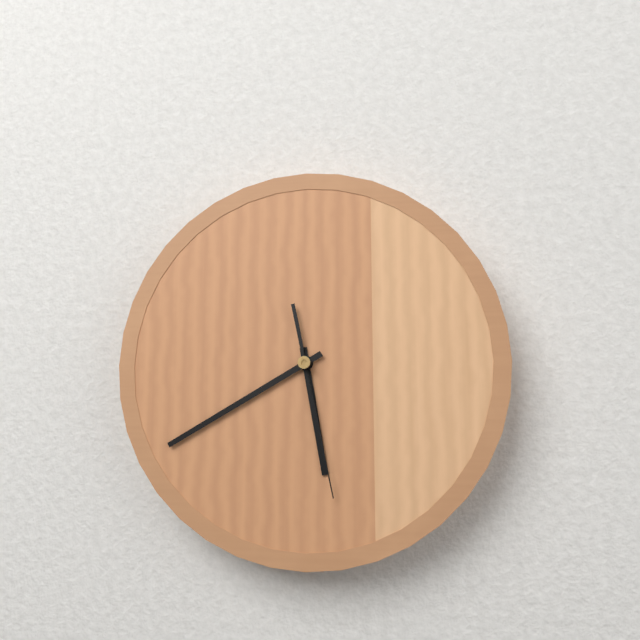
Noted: **5:40:28**
